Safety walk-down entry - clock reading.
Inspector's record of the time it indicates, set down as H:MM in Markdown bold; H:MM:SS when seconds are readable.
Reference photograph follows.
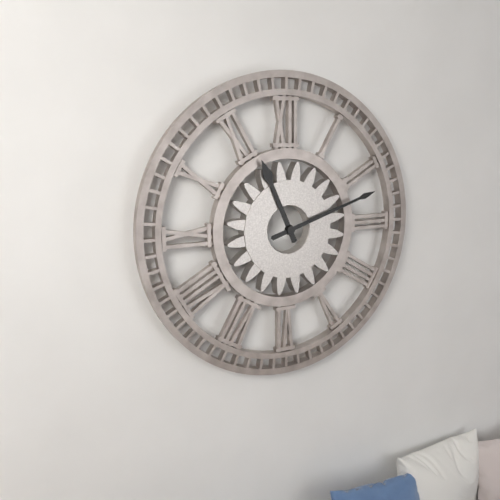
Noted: **11:12**
